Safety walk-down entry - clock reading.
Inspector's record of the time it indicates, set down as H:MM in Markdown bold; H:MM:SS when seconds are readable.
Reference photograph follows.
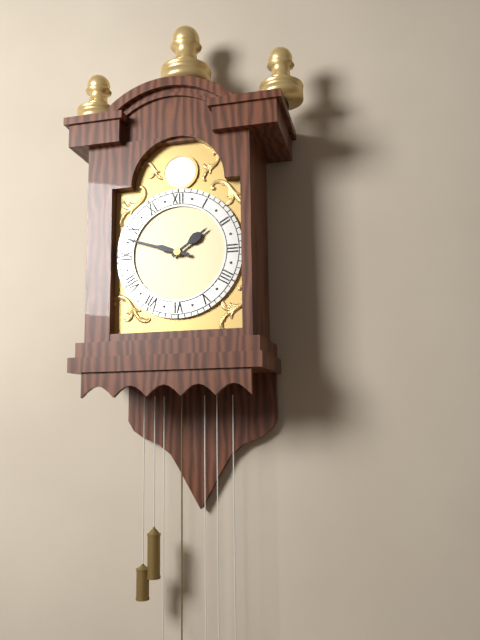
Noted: **1:48**
